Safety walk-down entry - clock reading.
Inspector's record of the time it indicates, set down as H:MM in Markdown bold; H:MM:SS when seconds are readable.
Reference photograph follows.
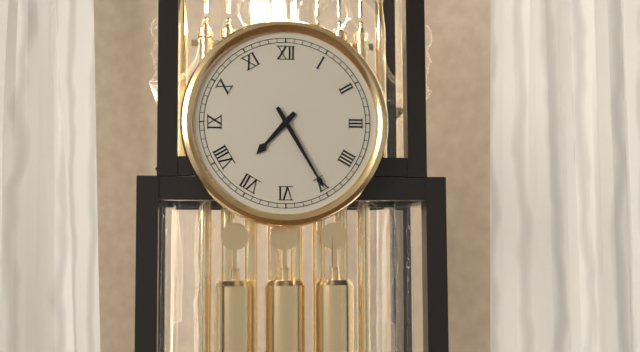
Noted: **7:25**
